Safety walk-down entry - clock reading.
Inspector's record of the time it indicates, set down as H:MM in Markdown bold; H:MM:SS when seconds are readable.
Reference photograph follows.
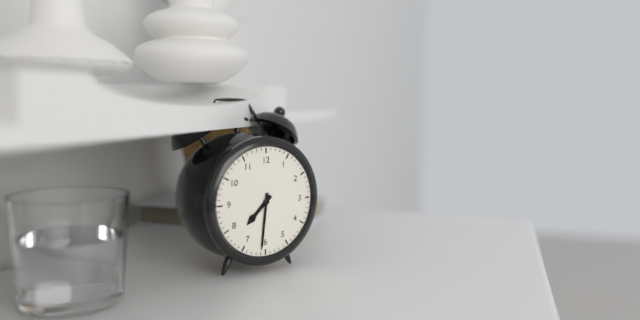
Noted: **7:31**
